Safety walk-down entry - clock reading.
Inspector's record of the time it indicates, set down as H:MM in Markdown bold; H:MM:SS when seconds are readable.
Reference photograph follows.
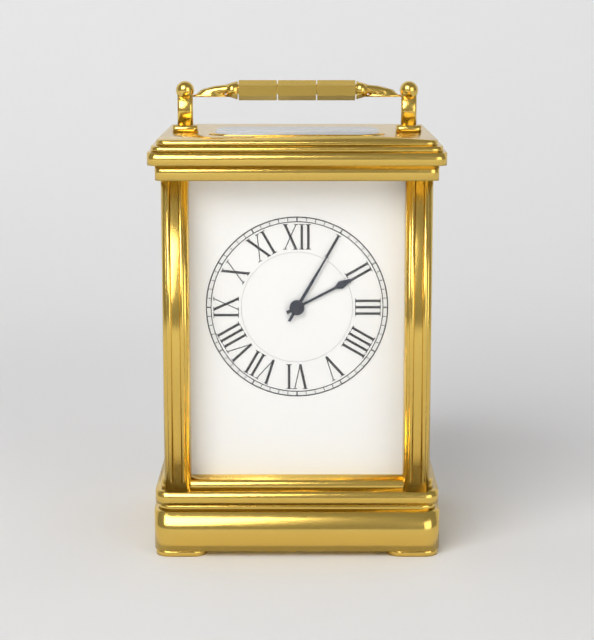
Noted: **2:05**
